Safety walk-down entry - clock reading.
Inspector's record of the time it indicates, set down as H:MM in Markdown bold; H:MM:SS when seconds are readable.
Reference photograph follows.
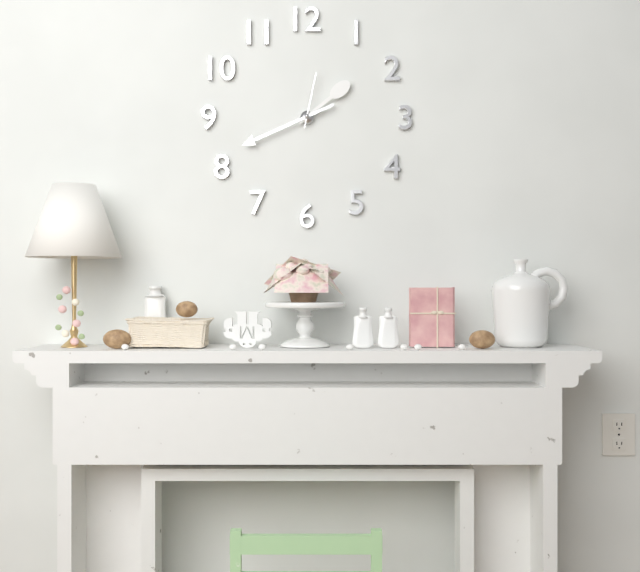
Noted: **1:41:02**
